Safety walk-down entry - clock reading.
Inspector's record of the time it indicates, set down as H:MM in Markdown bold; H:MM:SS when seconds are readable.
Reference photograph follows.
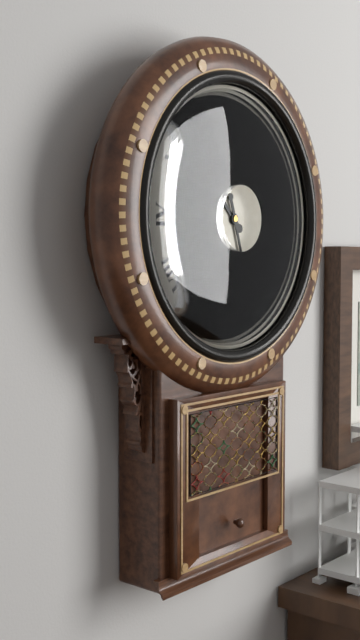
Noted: **10:27**
